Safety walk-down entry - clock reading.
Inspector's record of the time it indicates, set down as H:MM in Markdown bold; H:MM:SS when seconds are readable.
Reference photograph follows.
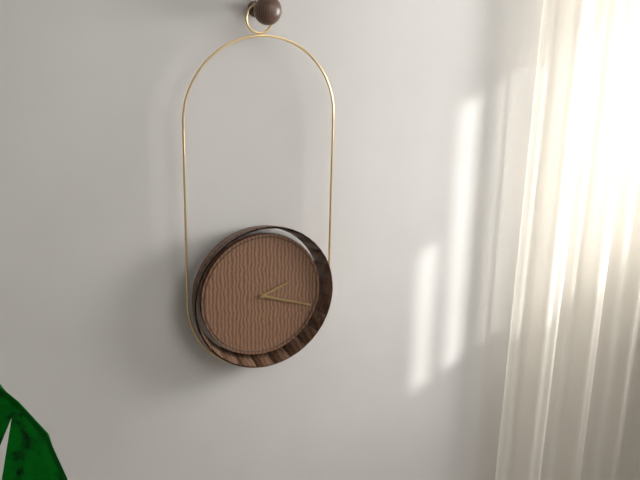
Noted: **2:18**
